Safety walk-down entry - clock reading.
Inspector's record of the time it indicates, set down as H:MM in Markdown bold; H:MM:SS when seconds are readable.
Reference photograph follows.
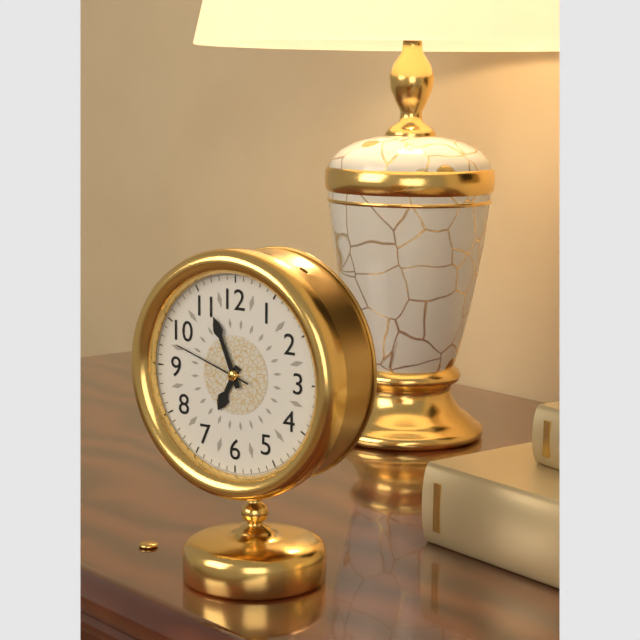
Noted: **6:56:48**
